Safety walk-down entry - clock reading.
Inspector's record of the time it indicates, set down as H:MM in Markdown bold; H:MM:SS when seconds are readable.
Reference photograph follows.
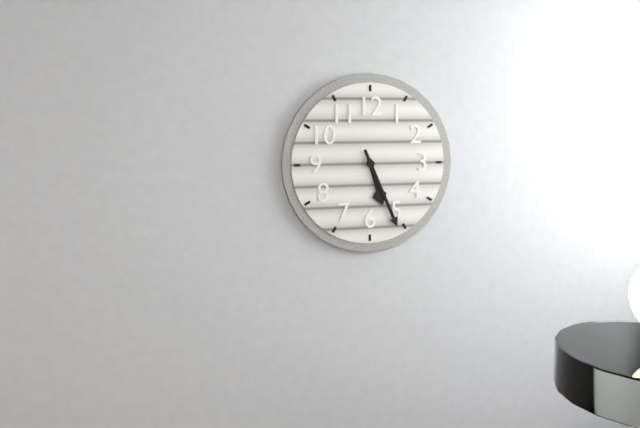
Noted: **5:26**
